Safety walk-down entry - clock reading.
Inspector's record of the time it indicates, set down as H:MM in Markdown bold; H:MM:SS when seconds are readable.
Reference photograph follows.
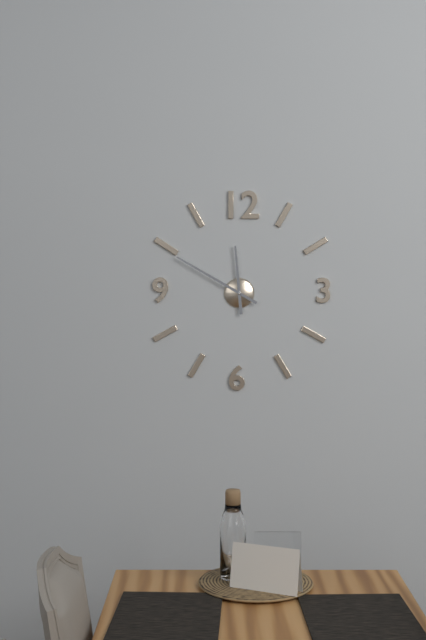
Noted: **11:50**
